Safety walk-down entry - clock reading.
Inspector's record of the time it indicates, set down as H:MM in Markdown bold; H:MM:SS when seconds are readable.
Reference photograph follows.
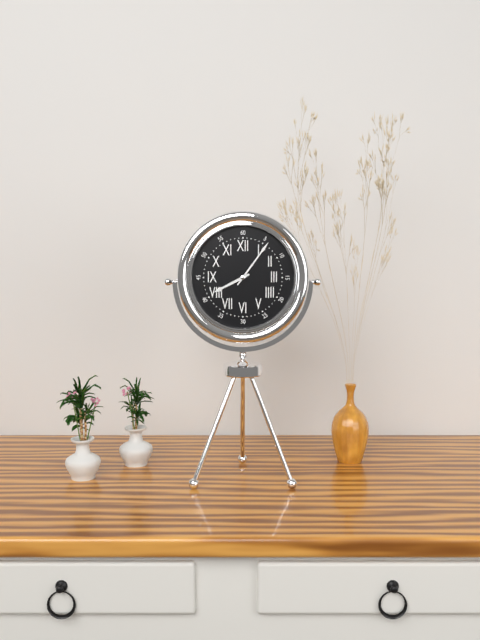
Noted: **8:06**
